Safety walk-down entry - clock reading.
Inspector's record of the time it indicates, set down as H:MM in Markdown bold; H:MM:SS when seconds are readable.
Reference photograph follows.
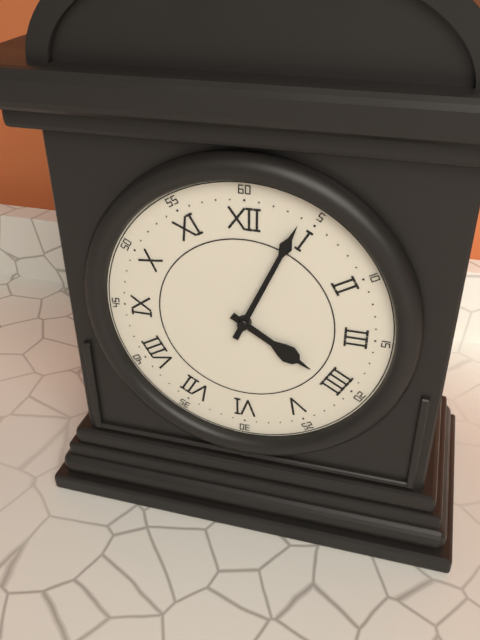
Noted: **4:04**
